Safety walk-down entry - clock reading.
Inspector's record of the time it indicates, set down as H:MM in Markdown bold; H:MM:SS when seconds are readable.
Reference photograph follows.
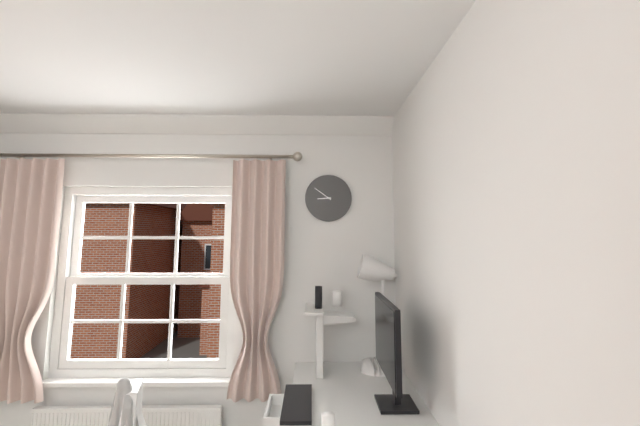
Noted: **8:51**
